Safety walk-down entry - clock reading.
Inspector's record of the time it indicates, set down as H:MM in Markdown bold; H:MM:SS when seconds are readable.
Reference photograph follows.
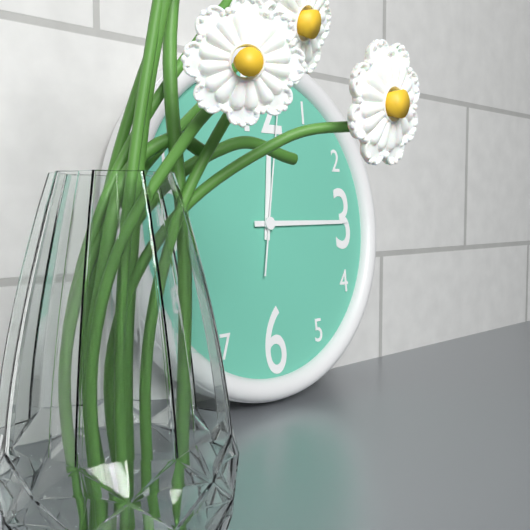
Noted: **12:15**
